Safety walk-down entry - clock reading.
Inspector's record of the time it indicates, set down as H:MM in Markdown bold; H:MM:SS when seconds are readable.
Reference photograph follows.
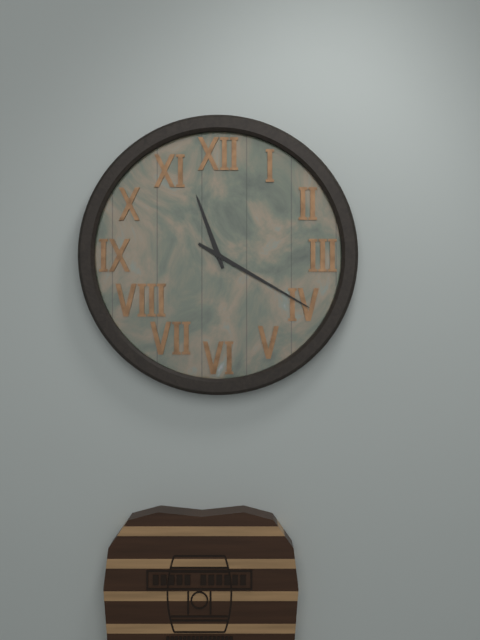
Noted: **11:20**
